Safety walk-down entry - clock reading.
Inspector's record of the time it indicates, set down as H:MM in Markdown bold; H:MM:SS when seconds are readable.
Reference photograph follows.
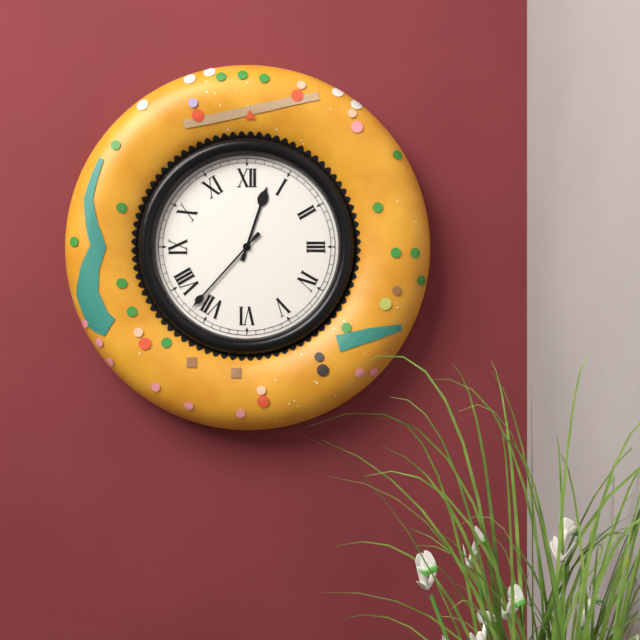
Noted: **12:37**
